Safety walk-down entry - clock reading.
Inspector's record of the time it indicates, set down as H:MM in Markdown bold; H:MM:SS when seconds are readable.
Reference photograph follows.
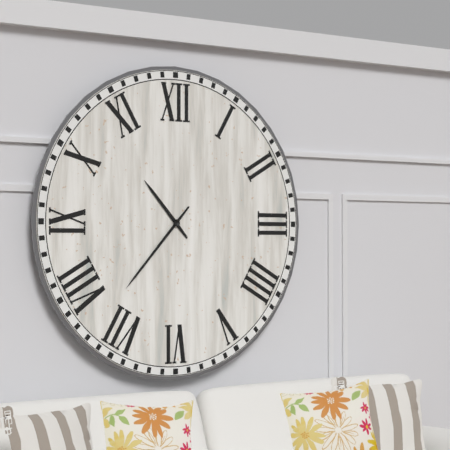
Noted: **10:37**
